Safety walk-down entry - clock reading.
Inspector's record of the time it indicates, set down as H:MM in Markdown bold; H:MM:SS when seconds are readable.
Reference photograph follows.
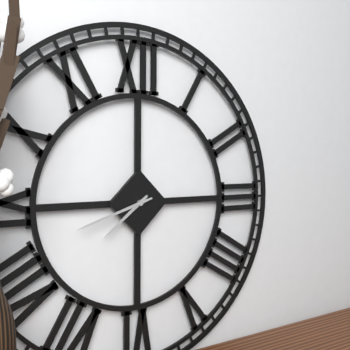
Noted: **7:42**
